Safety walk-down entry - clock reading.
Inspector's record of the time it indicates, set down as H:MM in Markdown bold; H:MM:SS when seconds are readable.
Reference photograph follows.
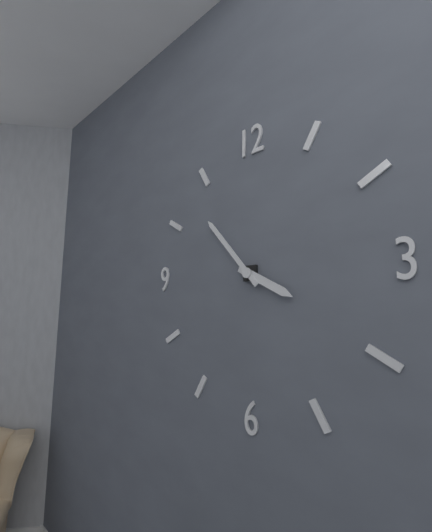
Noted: **3:53**
